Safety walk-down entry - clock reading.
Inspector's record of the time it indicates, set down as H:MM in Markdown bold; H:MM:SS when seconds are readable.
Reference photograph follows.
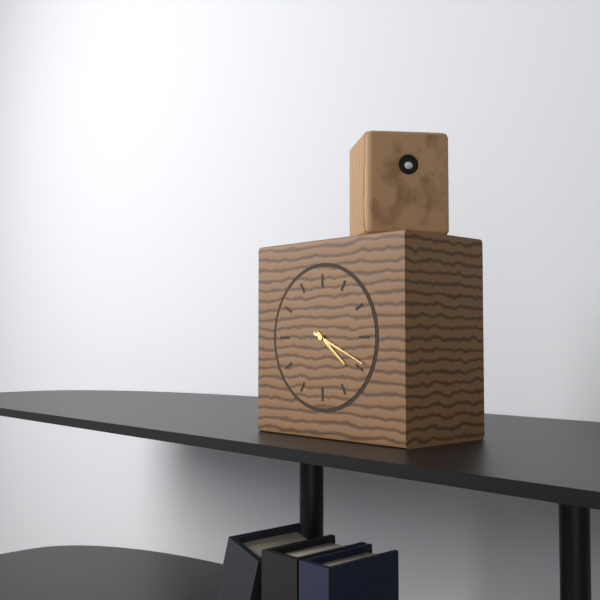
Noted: **4:19**
